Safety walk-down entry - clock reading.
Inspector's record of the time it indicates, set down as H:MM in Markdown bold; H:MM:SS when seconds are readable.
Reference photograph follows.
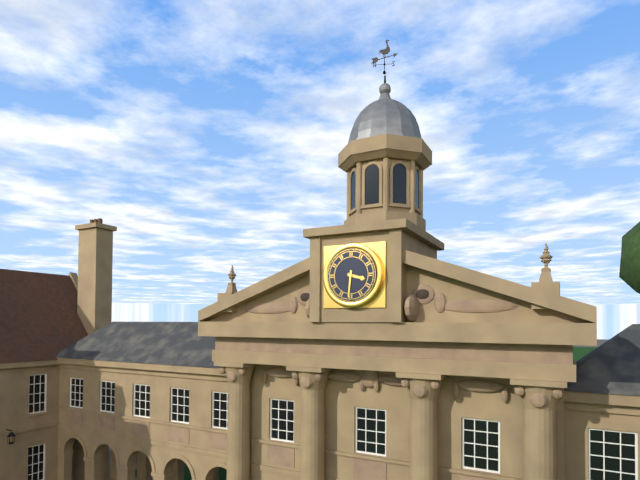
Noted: **3:31**
